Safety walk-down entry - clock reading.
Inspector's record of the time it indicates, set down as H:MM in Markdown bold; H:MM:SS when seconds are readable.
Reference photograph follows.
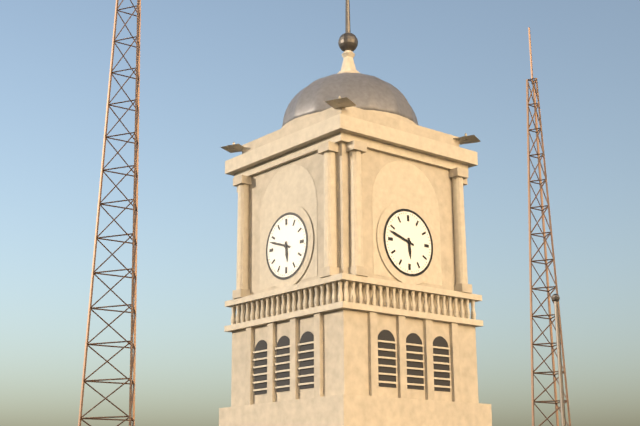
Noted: **5:48**
